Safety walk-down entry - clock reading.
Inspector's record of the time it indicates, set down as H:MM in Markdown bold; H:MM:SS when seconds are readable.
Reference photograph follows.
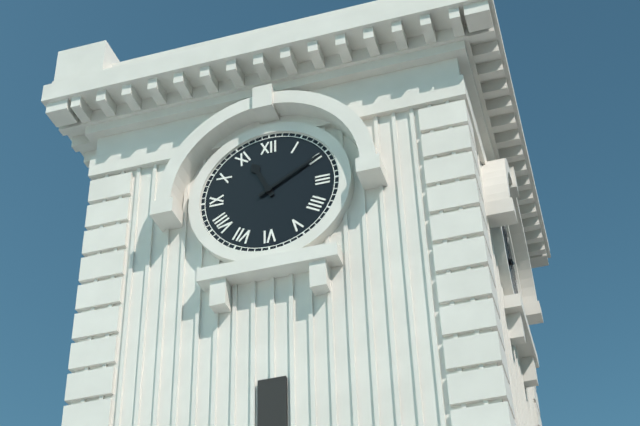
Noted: **11:10**
